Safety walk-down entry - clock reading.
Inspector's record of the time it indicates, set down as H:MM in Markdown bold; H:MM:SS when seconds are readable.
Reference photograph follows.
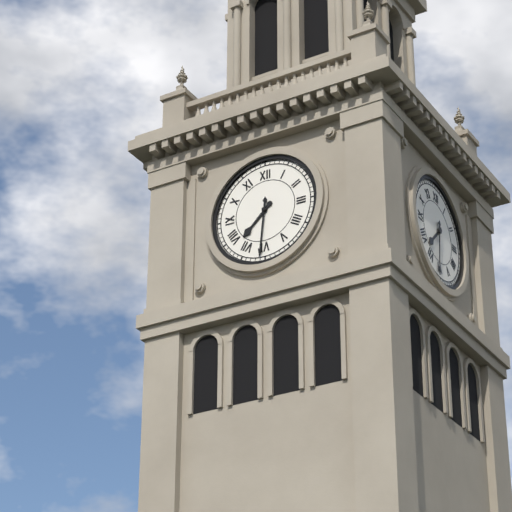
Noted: **7:31**
